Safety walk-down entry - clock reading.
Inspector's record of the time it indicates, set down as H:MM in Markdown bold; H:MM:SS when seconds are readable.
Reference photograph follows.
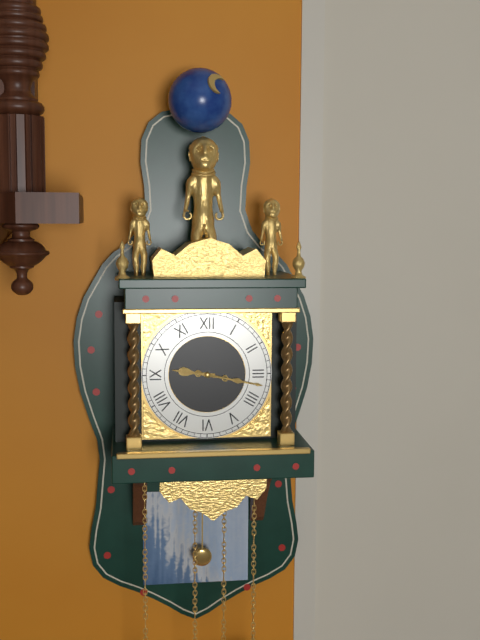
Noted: **9:17**
